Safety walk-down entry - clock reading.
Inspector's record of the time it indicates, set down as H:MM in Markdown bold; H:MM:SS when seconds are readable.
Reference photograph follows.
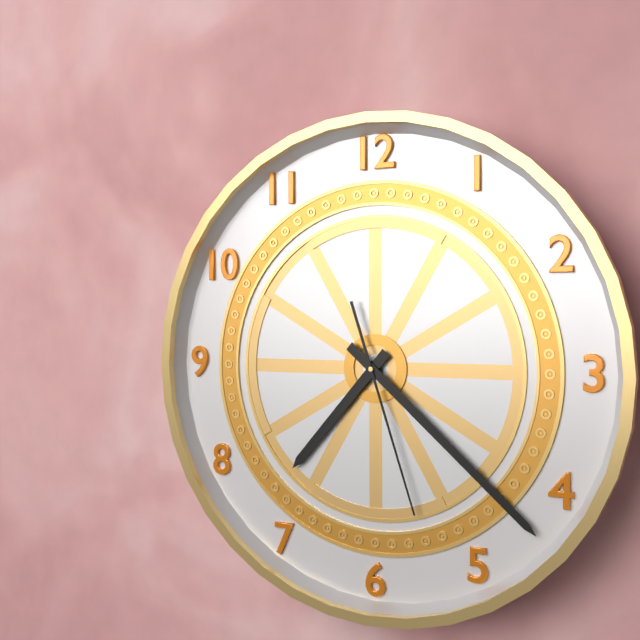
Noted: **7:22:27**
